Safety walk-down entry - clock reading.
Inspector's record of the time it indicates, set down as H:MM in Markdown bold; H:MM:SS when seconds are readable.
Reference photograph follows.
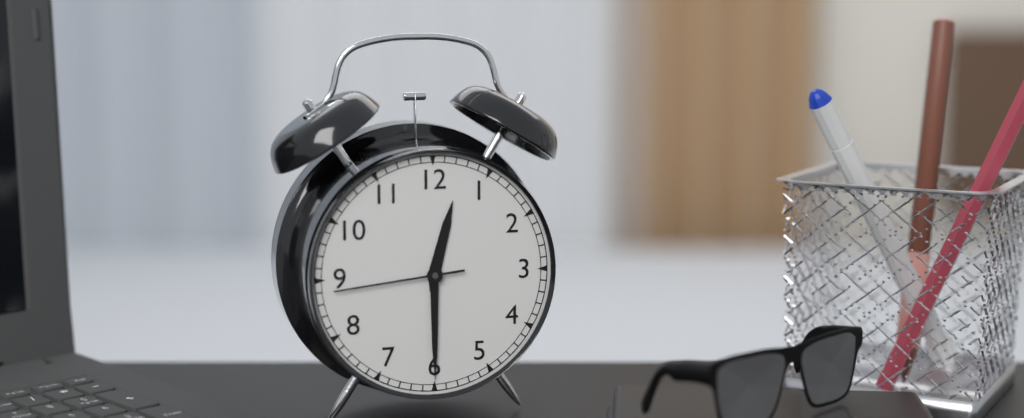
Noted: **12:30:44**
